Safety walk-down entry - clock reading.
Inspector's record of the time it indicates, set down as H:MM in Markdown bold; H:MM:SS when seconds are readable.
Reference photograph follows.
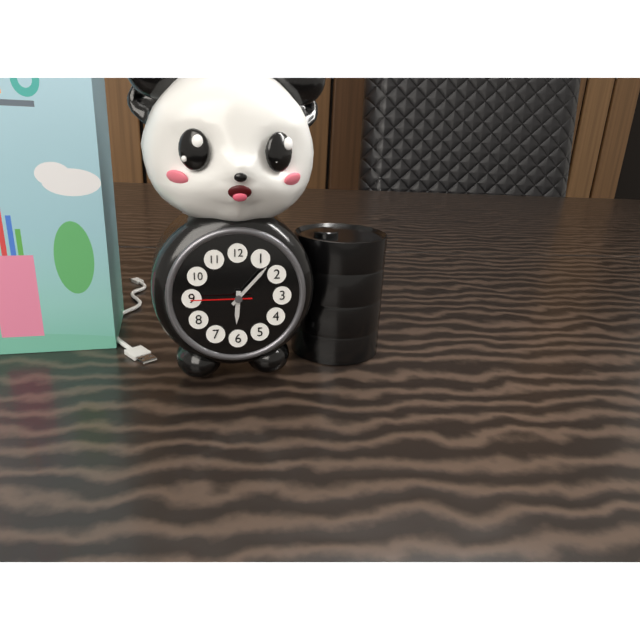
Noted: **6:07:45**
